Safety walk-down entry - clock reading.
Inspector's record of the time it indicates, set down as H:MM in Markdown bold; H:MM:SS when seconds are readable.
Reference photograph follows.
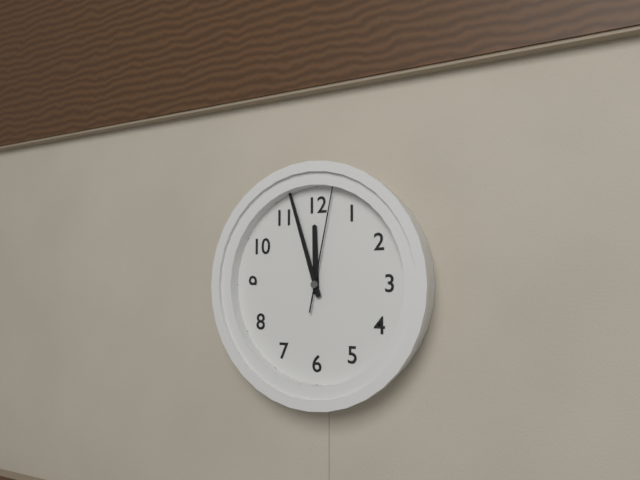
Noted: **11:57:02**
